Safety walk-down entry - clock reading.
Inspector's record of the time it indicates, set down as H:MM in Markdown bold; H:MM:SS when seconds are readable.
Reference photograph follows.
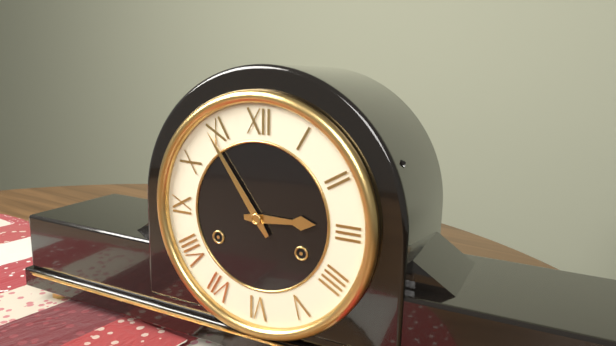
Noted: **2:54**
